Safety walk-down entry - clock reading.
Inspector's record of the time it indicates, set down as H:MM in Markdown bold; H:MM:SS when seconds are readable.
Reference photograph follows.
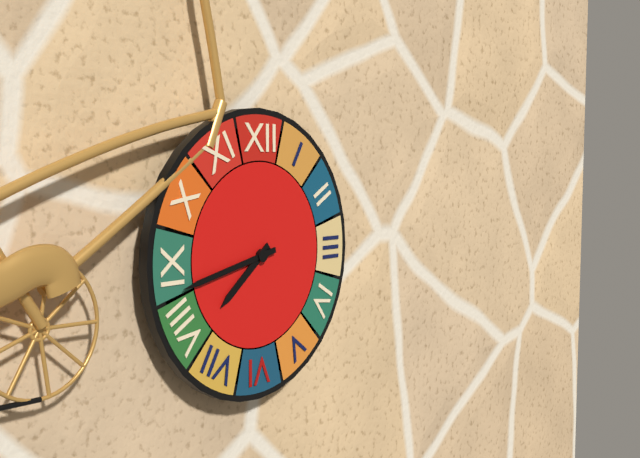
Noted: **7:43**
